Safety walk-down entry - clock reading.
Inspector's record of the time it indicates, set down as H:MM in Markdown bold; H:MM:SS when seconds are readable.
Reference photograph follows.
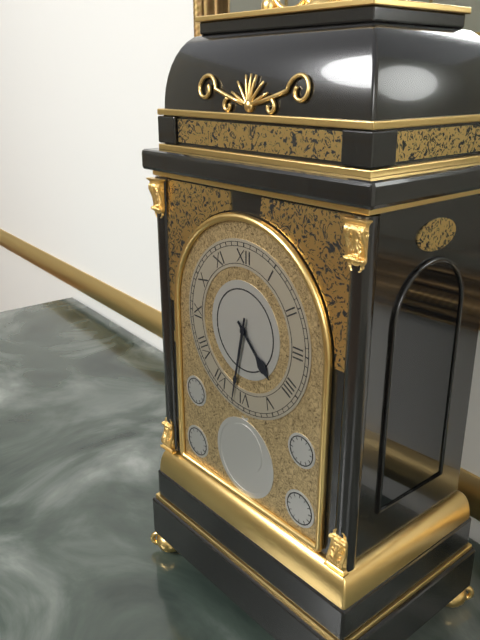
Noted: **4:32**
